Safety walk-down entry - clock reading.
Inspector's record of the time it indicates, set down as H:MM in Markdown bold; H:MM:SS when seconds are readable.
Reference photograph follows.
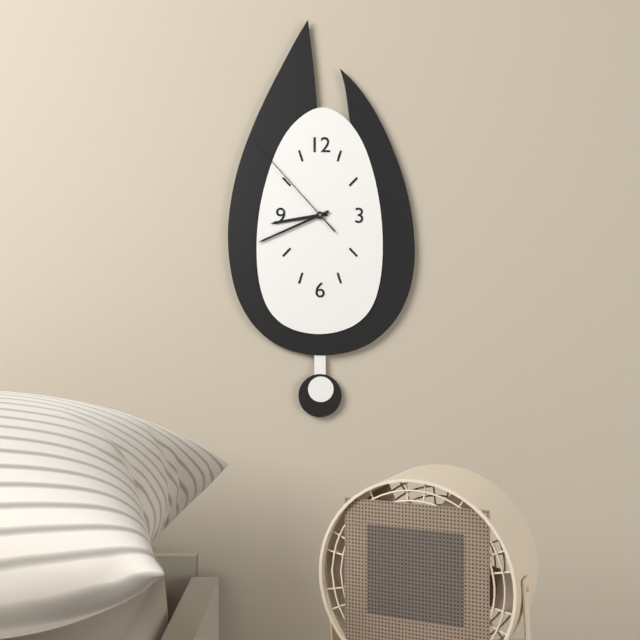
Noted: **8:41:53**
